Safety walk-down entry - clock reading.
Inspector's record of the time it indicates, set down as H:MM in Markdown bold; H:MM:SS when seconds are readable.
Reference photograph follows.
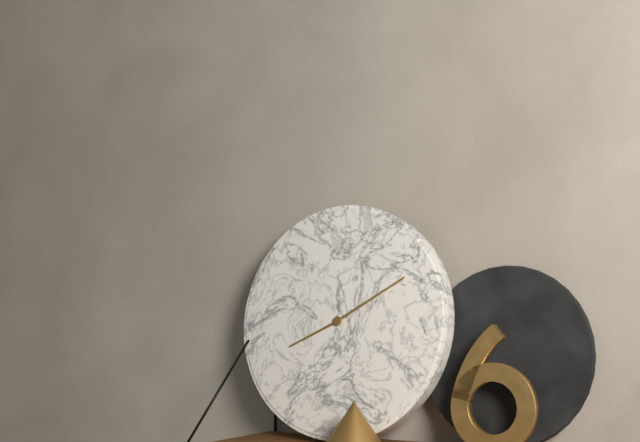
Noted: **8:10**
